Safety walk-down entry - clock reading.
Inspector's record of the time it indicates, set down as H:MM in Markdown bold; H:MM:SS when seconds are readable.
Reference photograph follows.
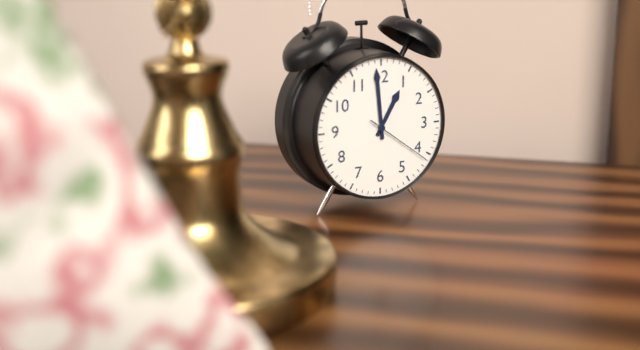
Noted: **12:59:21**
